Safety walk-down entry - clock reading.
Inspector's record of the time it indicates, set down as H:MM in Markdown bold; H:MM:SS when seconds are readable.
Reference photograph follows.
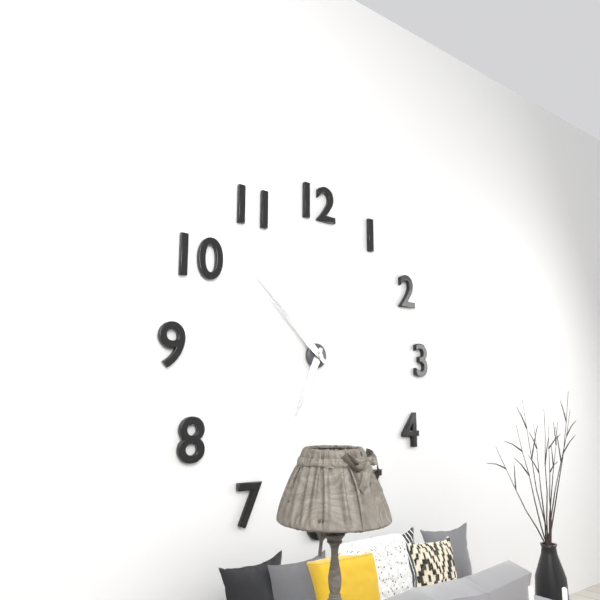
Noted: **6:52**
